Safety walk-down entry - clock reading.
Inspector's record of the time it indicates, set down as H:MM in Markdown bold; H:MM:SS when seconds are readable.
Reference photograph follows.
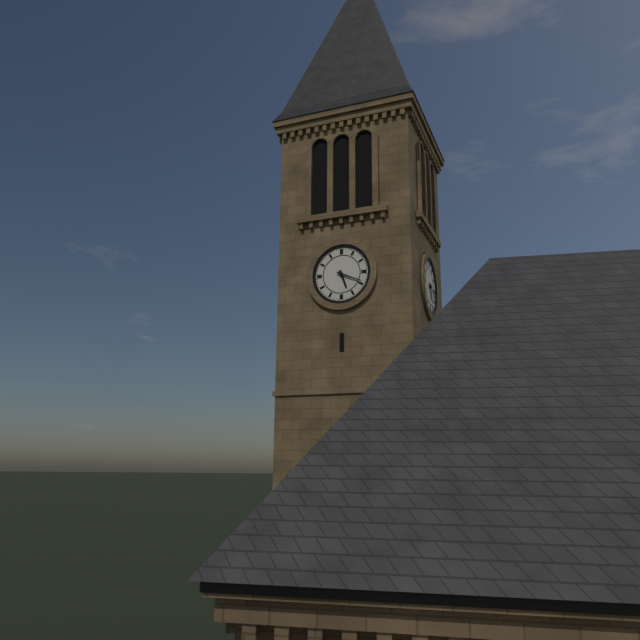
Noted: **5:19**
